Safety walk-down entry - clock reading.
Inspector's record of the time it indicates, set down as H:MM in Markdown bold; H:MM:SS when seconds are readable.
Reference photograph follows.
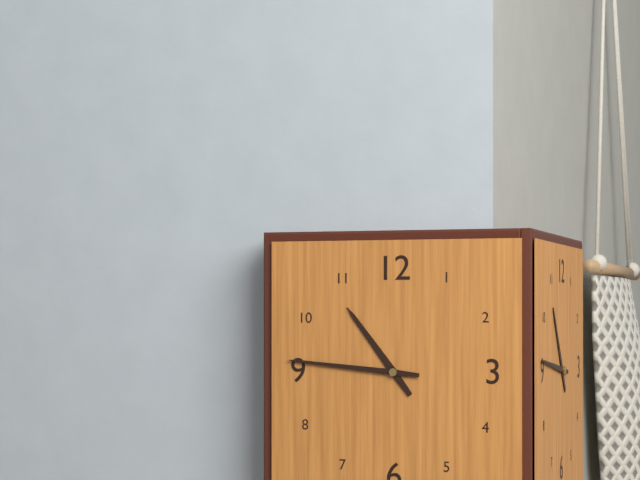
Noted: **10:46**
